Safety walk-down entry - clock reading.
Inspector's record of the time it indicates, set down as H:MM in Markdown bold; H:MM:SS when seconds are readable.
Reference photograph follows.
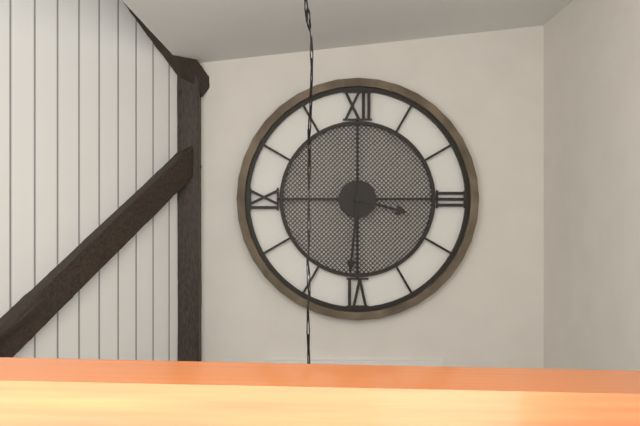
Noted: **3:31**
